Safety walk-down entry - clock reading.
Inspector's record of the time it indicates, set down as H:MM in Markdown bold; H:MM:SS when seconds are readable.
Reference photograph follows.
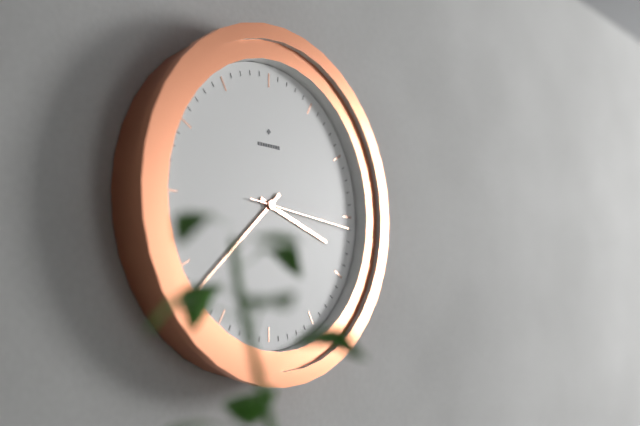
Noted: **3:38:16**
